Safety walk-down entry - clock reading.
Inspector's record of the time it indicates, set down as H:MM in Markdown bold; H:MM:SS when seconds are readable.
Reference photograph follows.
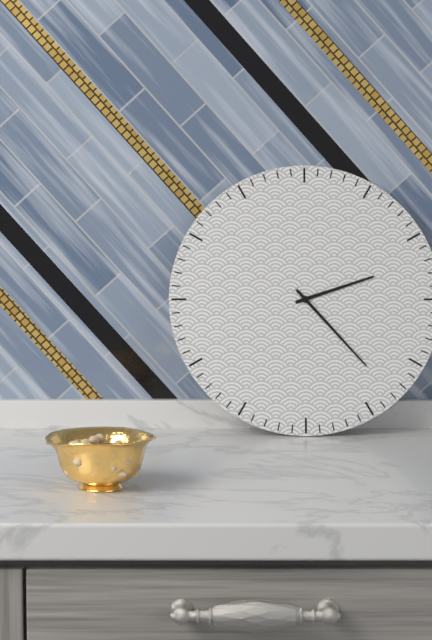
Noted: **2:23**
